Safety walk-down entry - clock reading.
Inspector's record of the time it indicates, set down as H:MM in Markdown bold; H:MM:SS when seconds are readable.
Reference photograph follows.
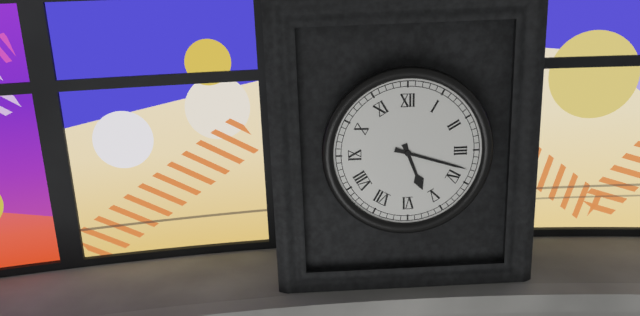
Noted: **5:18**
